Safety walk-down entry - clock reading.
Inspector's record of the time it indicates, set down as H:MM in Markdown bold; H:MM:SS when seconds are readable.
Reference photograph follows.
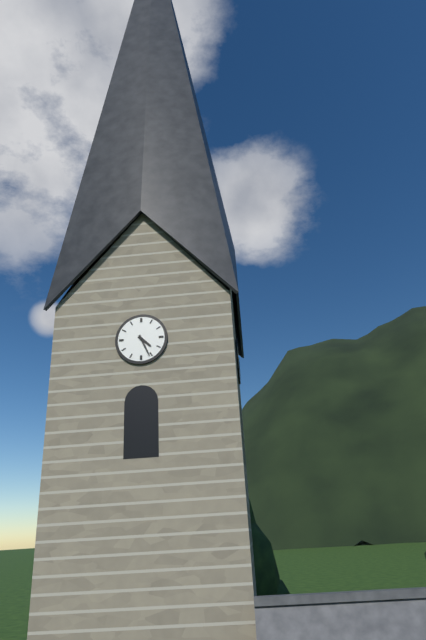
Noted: **4:26**
